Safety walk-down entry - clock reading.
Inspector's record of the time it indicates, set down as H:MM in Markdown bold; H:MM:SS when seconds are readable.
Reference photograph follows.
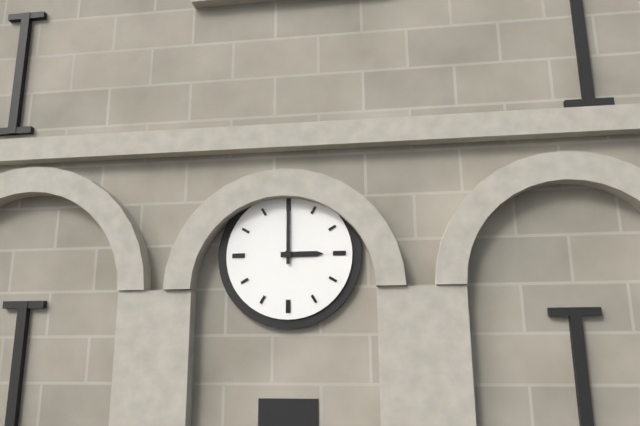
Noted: **3:00**
